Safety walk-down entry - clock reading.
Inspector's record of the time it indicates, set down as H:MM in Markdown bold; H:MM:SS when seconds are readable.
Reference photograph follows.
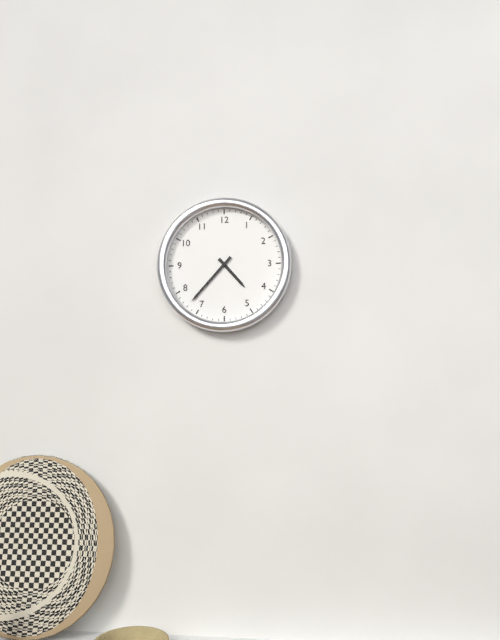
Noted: **4:37**
